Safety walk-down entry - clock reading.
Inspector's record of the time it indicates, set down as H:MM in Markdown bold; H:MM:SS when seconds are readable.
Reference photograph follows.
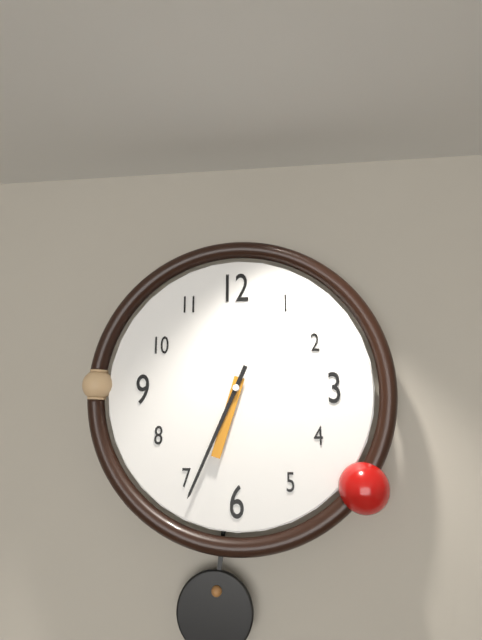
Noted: **6:34**
